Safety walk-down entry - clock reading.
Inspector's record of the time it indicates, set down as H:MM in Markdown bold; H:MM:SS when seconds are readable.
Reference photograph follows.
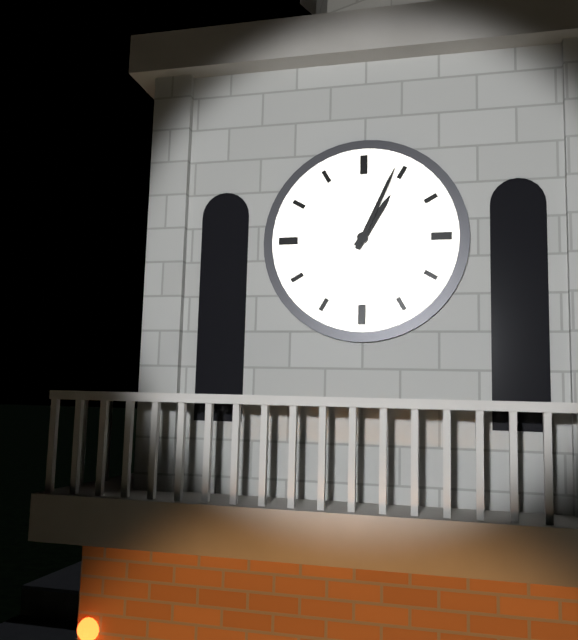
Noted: **1:04**
